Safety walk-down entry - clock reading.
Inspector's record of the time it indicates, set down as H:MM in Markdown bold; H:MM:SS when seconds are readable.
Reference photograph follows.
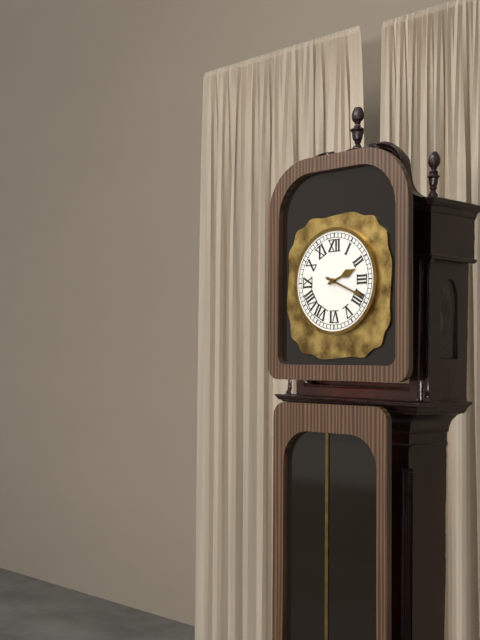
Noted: **2:19**
